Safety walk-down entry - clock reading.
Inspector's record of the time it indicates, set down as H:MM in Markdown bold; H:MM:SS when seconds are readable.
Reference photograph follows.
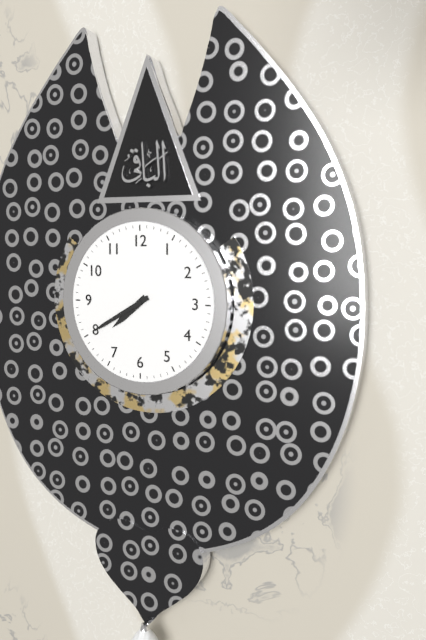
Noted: **7:40**
